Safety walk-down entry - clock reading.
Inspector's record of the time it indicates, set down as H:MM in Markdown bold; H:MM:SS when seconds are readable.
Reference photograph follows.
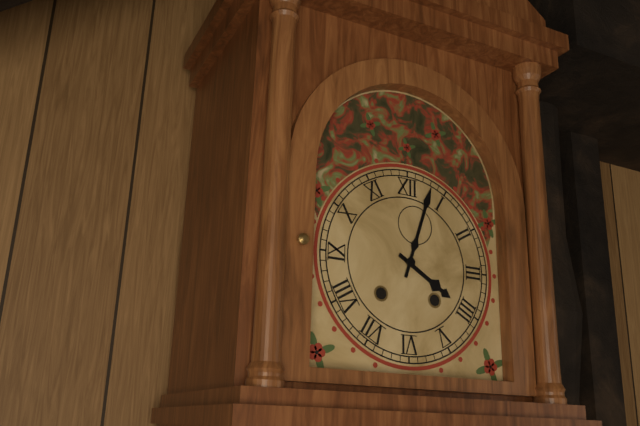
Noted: **4:03**
